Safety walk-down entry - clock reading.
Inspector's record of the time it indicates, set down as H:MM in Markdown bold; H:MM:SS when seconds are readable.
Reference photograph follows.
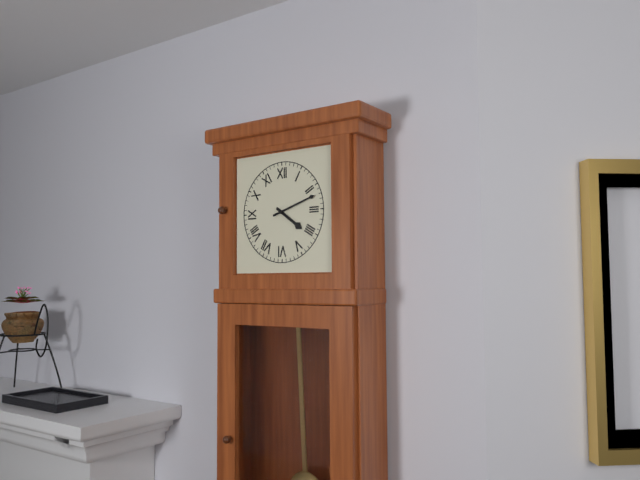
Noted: **4:12**
